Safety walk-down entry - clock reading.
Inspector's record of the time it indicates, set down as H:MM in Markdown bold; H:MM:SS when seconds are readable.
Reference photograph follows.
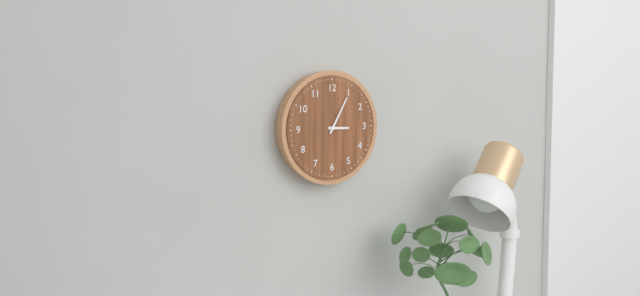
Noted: **3:05**
